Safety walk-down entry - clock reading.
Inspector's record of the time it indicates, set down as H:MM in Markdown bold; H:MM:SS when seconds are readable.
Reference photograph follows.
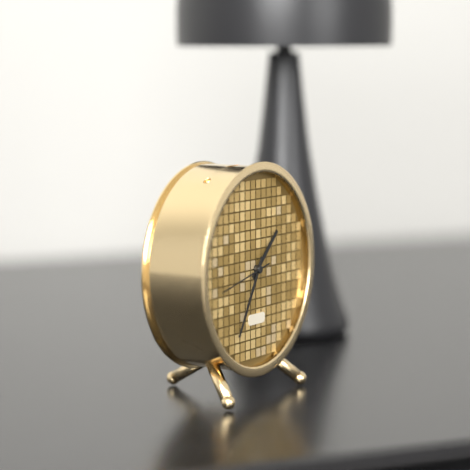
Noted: **1:35:43**
